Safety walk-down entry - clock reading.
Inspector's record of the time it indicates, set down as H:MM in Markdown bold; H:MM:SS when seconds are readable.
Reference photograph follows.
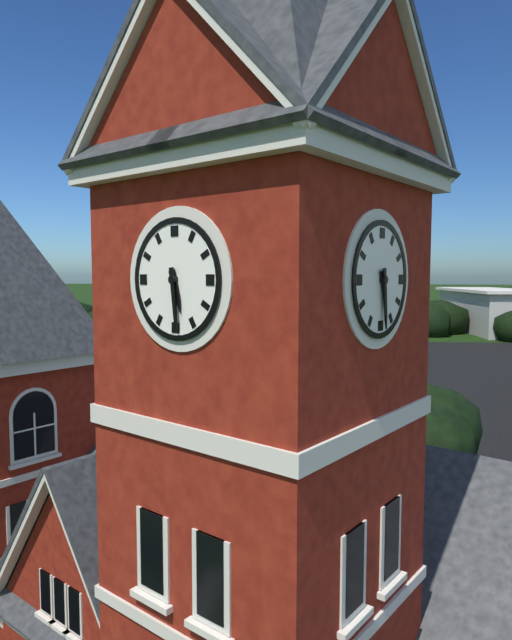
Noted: **5:29**
